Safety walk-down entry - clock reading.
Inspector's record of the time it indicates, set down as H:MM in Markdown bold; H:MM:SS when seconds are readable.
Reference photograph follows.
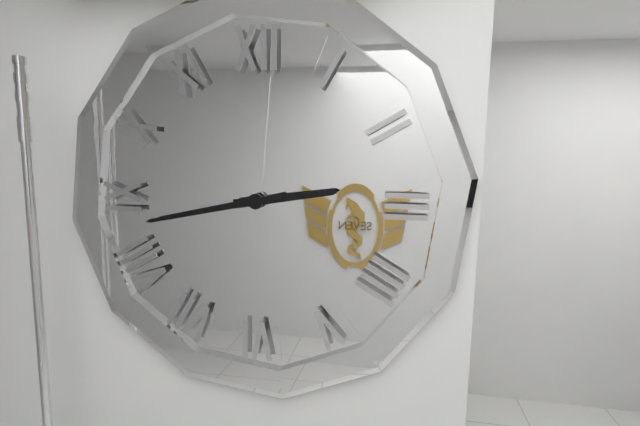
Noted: **2:43**
